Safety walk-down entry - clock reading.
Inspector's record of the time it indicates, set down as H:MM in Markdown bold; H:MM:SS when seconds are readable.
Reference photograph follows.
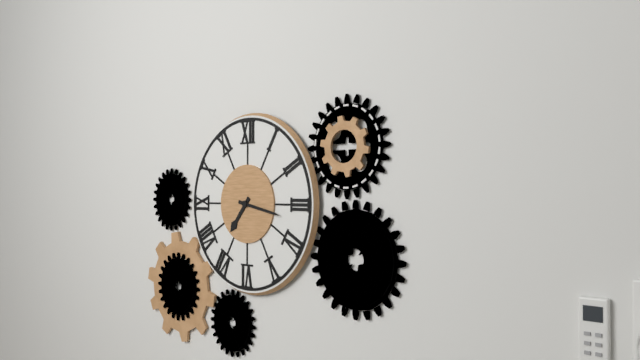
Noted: **7:17**
